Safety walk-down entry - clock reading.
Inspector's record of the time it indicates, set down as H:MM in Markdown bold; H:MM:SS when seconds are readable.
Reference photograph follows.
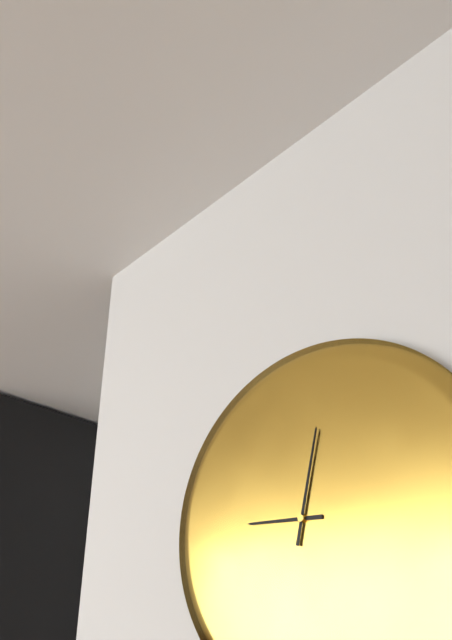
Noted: **9:02**
